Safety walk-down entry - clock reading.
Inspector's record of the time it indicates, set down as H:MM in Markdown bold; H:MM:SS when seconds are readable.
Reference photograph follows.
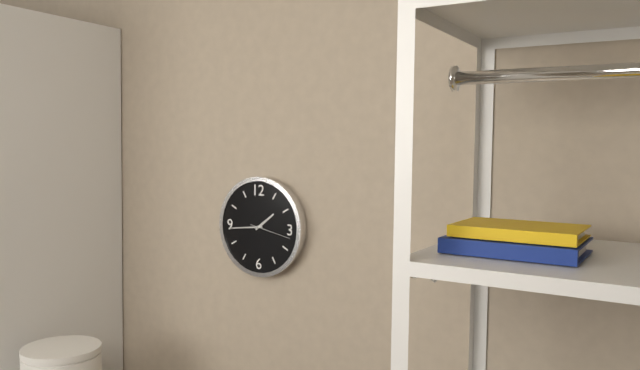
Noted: **1:44**
